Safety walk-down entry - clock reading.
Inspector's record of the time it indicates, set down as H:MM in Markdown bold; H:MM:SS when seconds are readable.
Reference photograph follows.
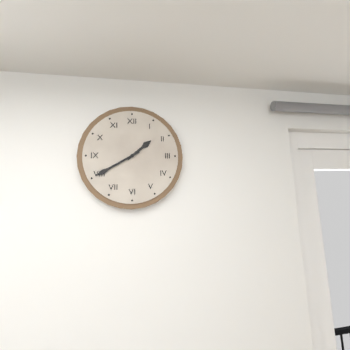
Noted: **1:40**
